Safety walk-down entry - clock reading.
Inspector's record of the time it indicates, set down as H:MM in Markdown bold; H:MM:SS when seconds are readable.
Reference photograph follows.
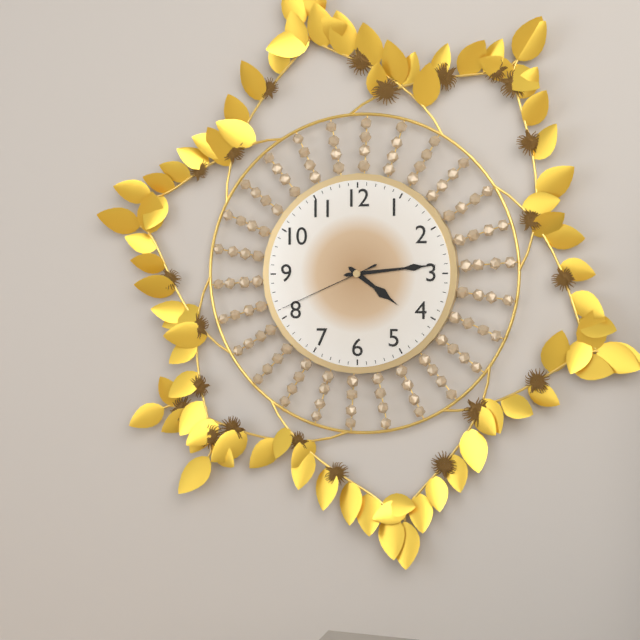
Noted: **4:14:41**
